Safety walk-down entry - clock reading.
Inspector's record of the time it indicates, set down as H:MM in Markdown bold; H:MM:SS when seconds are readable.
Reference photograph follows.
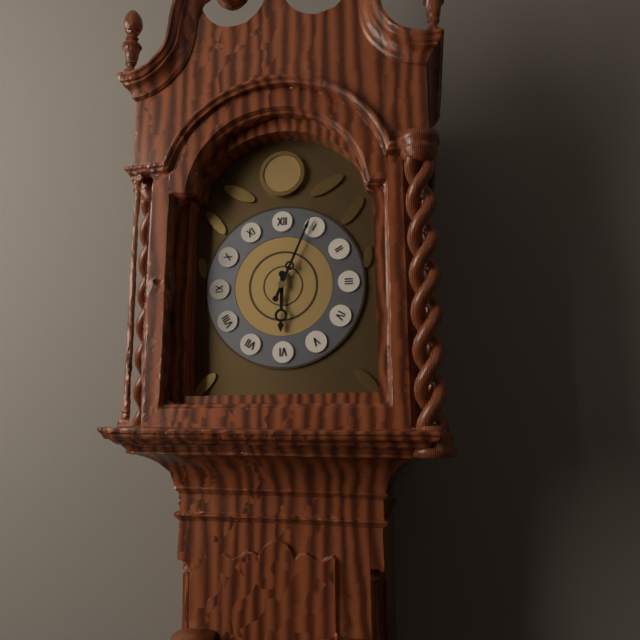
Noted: **6:04**
